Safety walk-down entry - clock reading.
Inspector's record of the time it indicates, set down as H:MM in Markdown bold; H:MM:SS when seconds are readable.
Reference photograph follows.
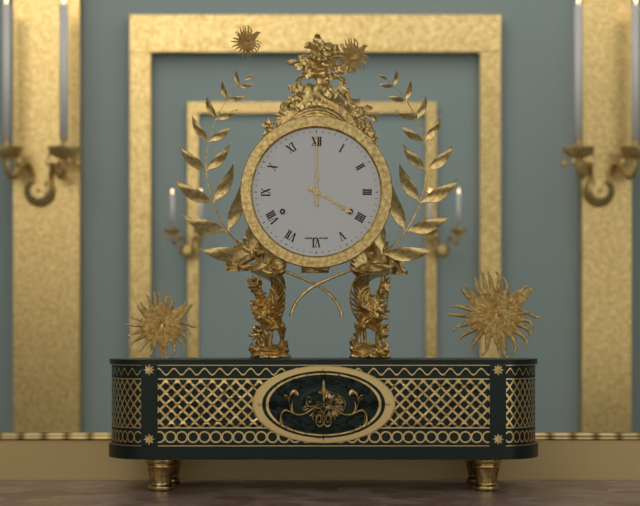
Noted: **4:00**
